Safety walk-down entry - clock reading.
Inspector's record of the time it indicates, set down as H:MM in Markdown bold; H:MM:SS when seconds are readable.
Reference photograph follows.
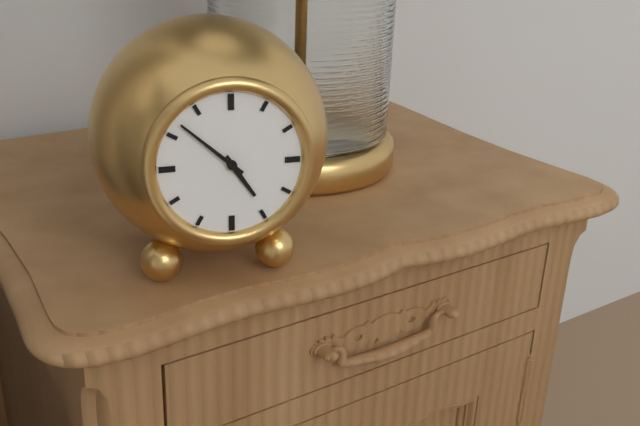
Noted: **4:52**
